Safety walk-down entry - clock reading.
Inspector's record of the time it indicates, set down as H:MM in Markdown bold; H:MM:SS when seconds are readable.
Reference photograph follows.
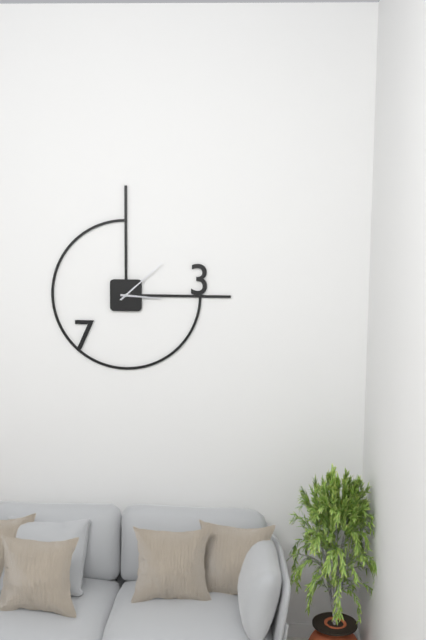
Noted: **3:08**
